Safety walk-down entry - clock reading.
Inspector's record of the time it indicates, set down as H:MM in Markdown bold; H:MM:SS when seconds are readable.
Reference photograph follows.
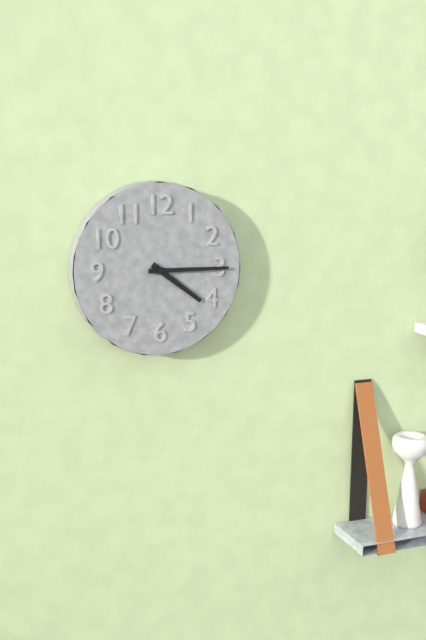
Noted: **4:15**
